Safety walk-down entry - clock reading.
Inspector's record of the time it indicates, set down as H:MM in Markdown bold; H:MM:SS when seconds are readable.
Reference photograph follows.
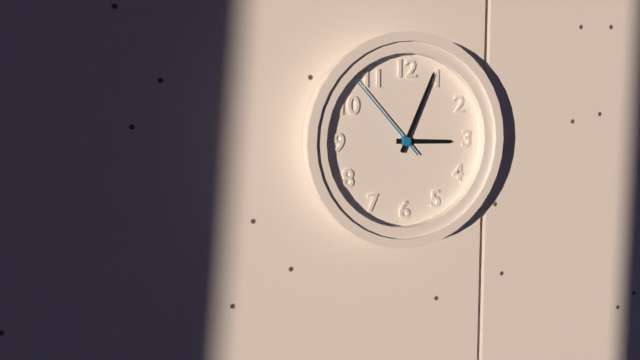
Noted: **3:04:53**
